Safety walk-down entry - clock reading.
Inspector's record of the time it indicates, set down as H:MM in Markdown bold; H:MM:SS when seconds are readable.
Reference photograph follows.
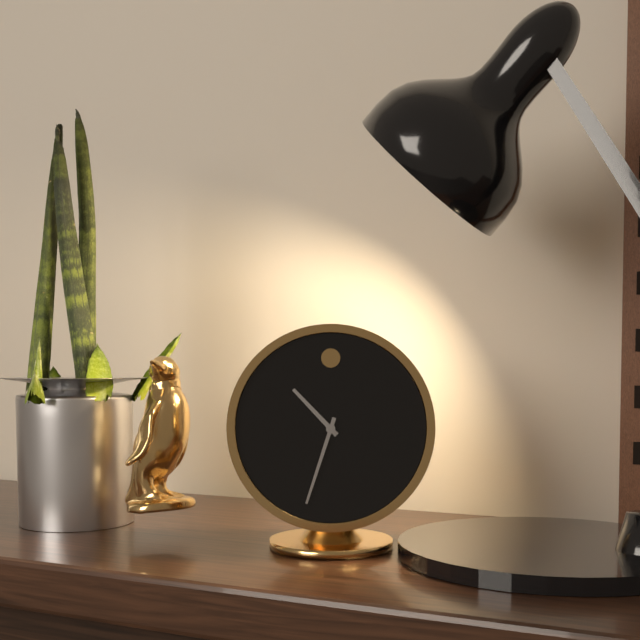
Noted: **10:33**
